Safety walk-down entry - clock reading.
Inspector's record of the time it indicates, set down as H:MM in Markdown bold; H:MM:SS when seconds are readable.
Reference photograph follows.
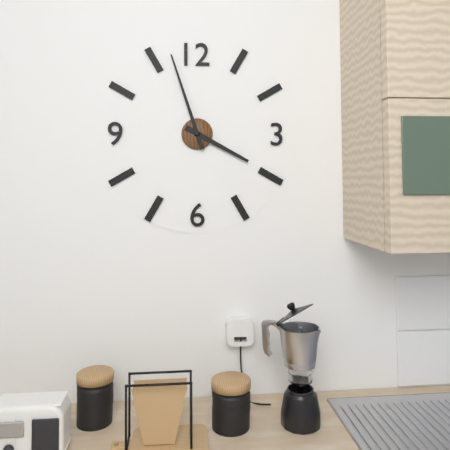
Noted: **3:57**
